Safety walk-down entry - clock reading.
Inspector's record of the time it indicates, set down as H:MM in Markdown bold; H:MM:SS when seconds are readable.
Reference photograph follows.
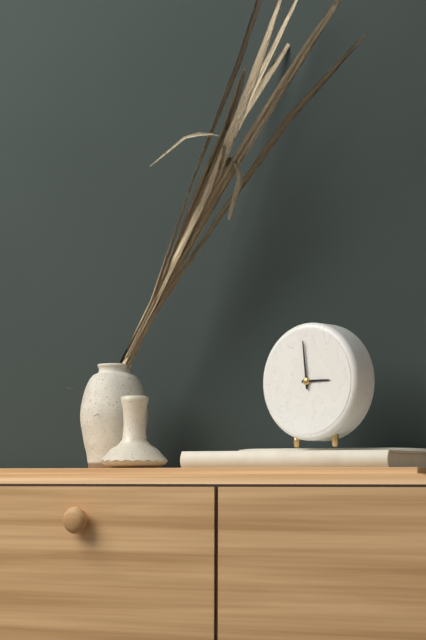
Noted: **2:59**
